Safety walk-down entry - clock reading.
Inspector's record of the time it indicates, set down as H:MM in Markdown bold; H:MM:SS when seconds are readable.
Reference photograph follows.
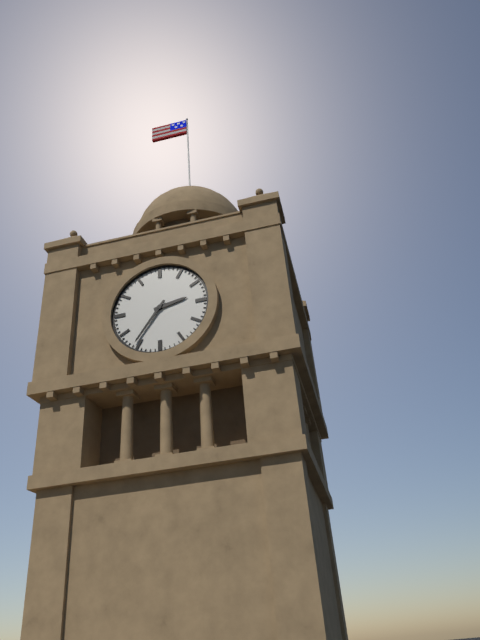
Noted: **2:36**
